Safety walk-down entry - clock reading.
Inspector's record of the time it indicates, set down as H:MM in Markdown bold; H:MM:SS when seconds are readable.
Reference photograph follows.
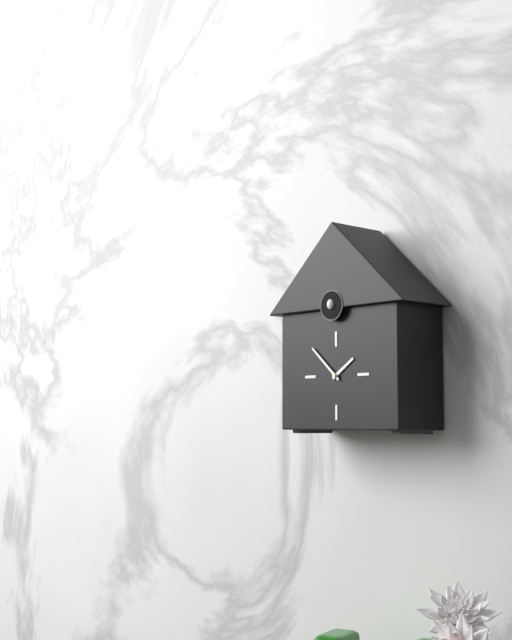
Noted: **1:52**
